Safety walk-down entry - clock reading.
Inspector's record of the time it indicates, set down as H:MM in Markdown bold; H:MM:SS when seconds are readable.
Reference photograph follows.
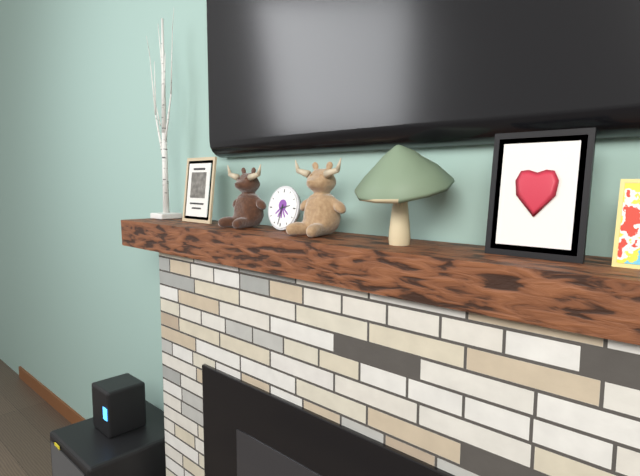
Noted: **2:32**
